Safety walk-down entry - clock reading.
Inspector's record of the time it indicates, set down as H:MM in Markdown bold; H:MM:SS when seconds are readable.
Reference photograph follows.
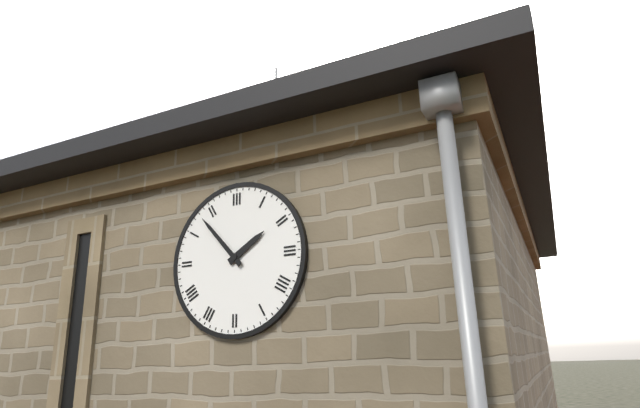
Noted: **1:53**
